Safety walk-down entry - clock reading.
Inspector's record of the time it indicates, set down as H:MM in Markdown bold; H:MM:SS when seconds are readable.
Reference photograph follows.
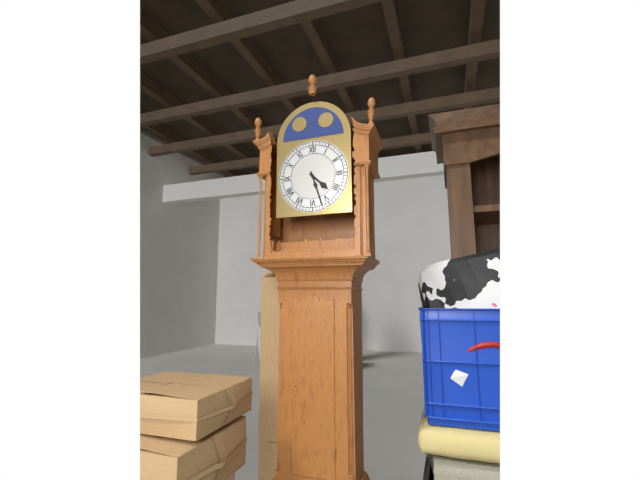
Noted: **4:27**
